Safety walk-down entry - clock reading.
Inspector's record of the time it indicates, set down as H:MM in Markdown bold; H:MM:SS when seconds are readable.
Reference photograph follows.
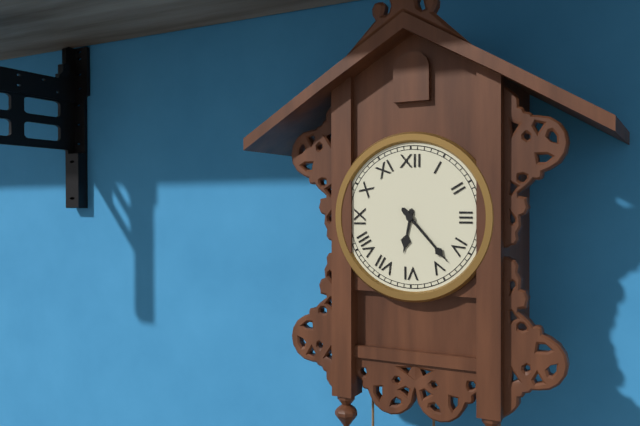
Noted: **6:23**
